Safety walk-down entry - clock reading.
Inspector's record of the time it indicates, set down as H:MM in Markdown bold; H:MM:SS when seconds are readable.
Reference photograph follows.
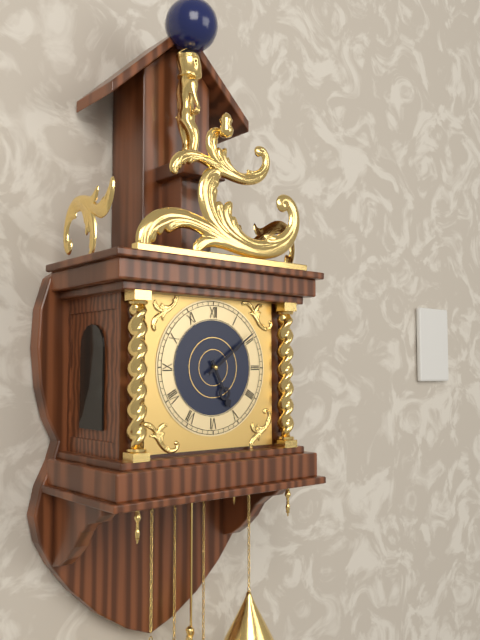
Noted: **5:09**
